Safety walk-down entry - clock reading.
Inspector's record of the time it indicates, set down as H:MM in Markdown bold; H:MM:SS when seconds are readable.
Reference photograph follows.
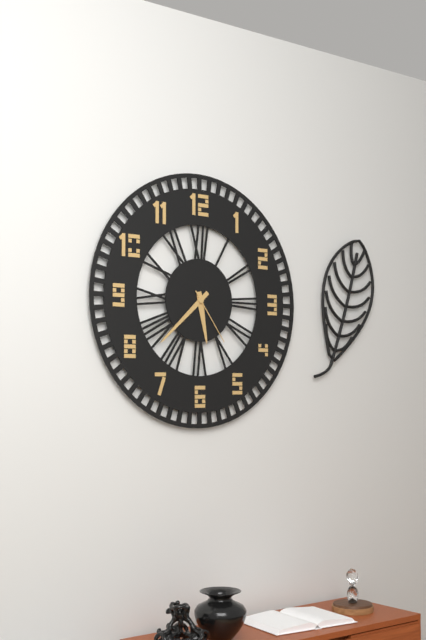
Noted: **5:38:24**
